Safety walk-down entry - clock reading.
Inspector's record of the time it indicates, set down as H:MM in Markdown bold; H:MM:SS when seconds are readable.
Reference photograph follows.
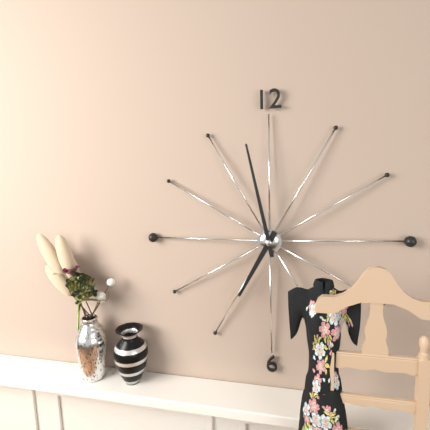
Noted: **6:58**
